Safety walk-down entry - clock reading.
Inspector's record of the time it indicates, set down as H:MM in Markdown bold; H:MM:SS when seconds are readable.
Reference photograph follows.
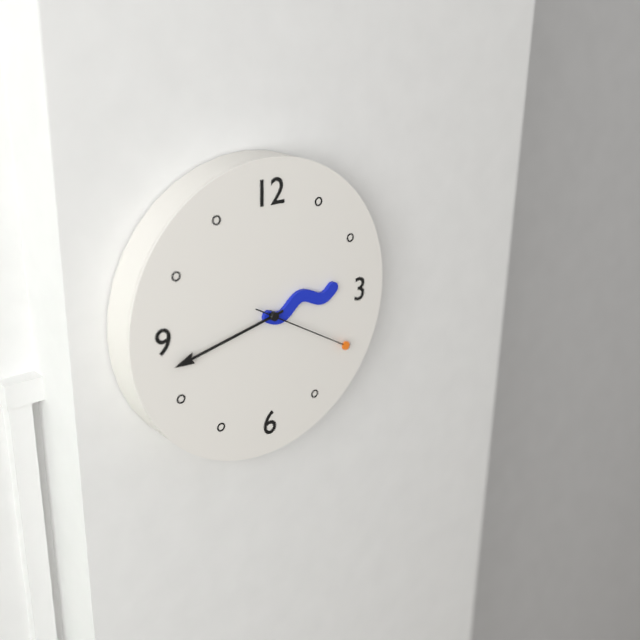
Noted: **2:43:20**
